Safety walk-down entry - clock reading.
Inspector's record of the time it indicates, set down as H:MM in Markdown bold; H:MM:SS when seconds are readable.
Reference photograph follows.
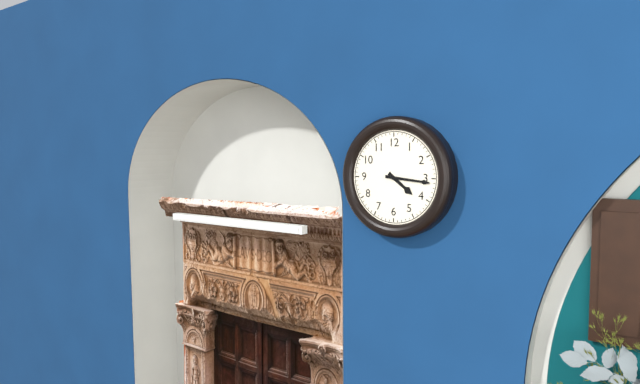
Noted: **4:16**
